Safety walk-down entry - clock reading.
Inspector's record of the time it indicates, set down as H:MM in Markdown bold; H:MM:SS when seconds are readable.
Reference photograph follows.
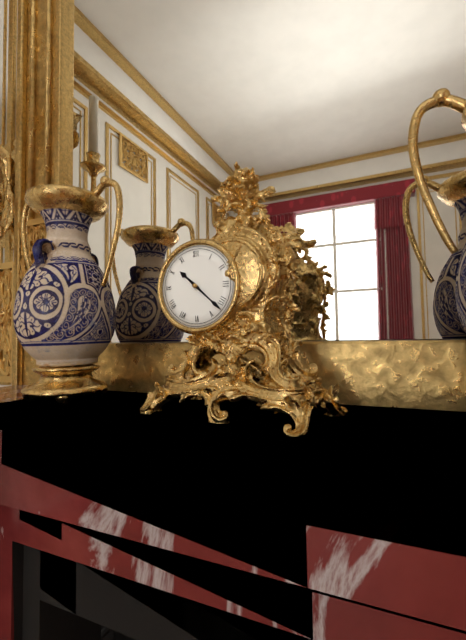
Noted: **10:22**
